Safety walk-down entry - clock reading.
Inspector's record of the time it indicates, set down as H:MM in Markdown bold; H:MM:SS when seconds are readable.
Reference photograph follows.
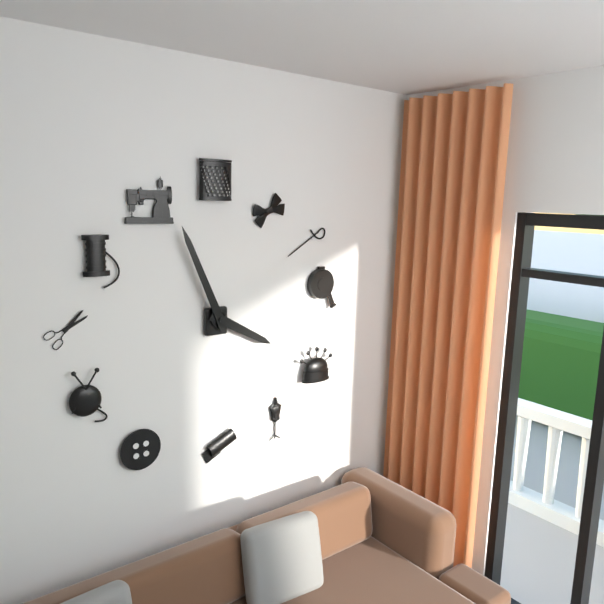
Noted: **3:56**
